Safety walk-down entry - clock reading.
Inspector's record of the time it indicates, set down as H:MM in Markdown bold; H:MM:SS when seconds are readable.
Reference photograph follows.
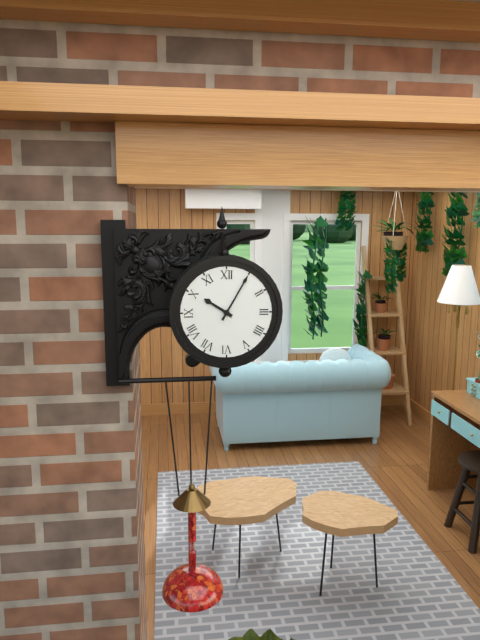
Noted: **10:05**
